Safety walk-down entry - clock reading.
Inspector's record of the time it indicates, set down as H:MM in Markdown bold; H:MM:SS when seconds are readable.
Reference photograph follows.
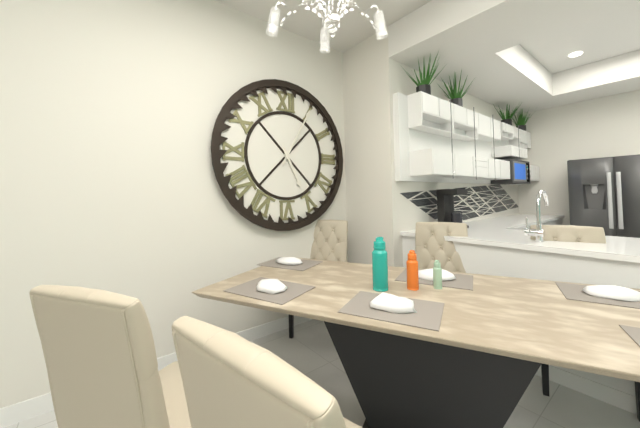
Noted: **5:05**
